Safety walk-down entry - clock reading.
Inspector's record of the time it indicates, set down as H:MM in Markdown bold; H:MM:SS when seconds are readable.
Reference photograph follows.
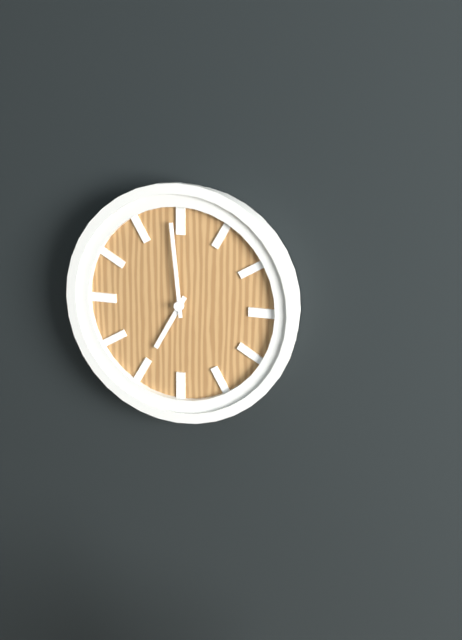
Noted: **6:59**
